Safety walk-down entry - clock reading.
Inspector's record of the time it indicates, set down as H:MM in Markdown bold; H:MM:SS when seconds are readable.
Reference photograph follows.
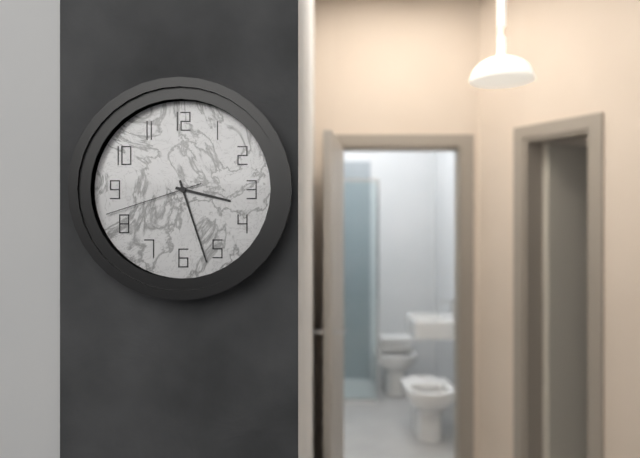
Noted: **3:27:42**
